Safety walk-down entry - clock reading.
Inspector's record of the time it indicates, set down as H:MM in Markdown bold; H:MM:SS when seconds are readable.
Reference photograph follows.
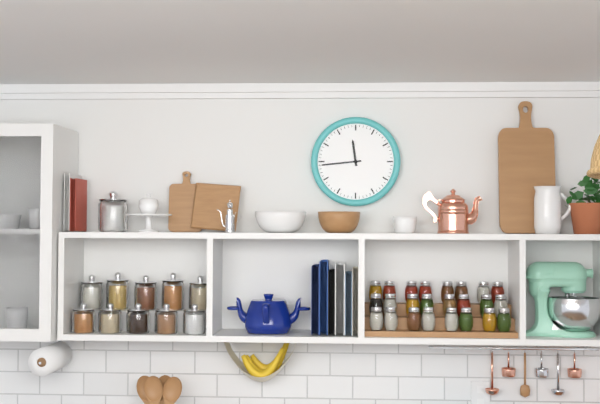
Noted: **11:44**
